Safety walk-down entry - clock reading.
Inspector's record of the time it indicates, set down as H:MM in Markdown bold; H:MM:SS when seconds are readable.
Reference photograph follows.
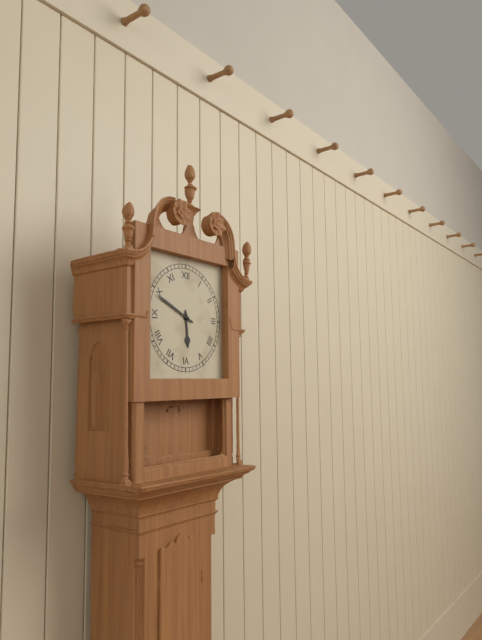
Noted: **5:49**
